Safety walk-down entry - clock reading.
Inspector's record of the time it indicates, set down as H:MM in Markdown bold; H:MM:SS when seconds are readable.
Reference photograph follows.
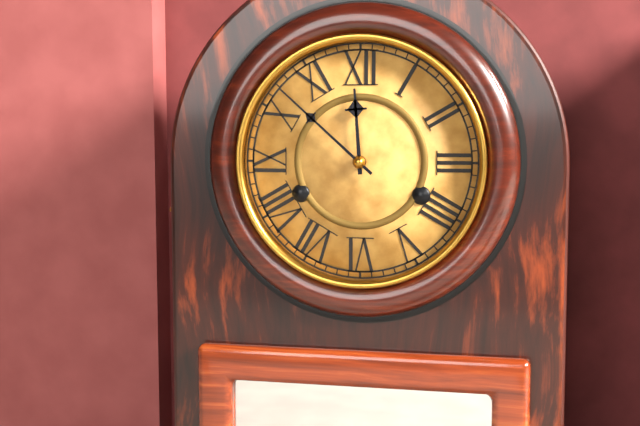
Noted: **11:52**
